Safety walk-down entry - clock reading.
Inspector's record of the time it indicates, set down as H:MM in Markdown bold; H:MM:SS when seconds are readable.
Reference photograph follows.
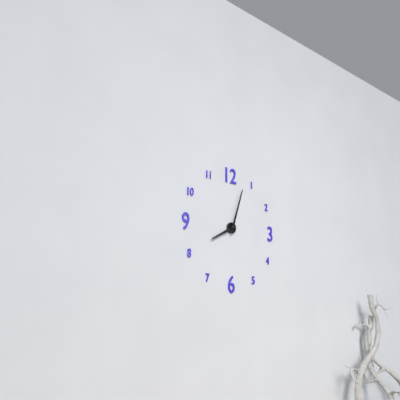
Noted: **8:03**
